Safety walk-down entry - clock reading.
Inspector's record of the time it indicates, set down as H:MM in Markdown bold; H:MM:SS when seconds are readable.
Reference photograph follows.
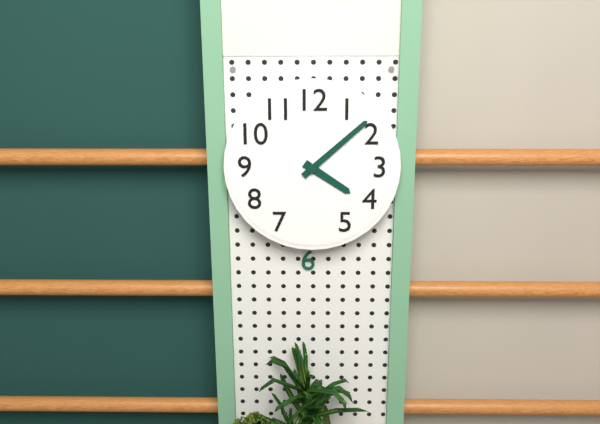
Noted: **4:08**
